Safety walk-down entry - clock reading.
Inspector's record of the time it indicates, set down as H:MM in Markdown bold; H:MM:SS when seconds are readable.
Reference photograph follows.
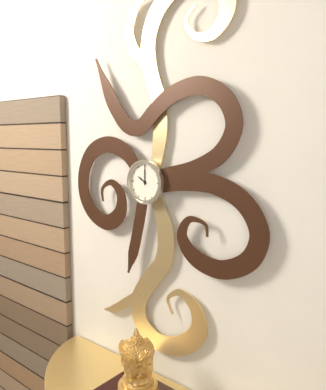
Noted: **10:00**
